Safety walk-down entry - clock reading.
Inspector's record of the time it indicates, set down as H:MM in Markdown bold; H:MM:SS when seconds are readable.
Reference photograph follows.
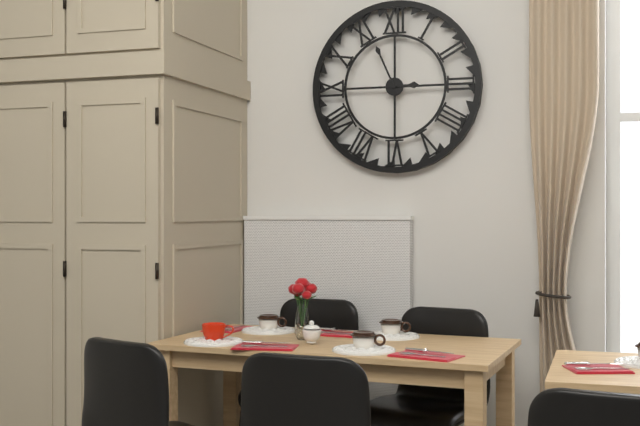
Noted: **2:56**
